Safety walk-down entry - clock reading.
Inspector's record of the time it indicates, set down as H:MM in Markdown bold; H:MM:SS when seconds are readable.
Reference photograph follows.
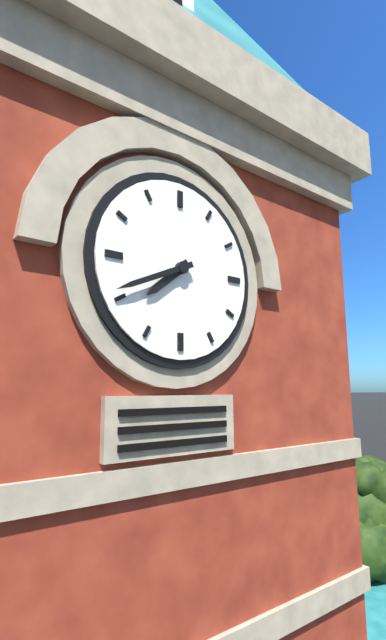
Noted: **7:41**
